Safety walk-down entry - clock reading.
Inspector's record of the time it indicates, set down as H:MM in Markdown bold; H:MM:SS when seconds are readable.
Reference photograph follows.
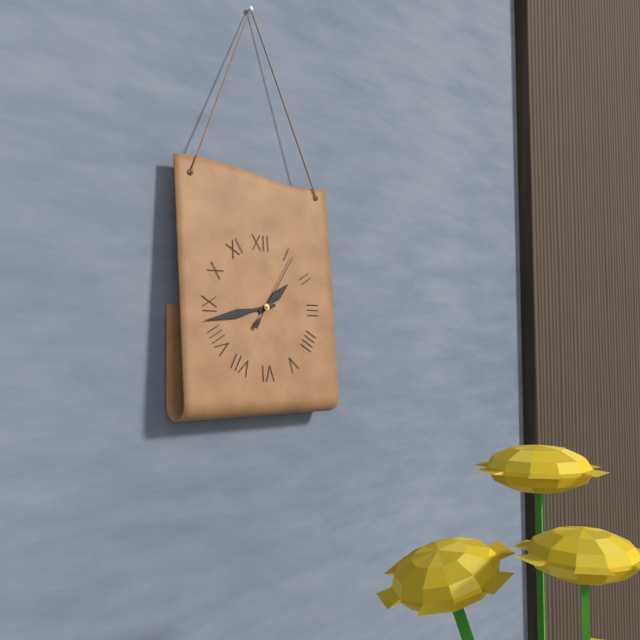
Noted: **1:43:06**
